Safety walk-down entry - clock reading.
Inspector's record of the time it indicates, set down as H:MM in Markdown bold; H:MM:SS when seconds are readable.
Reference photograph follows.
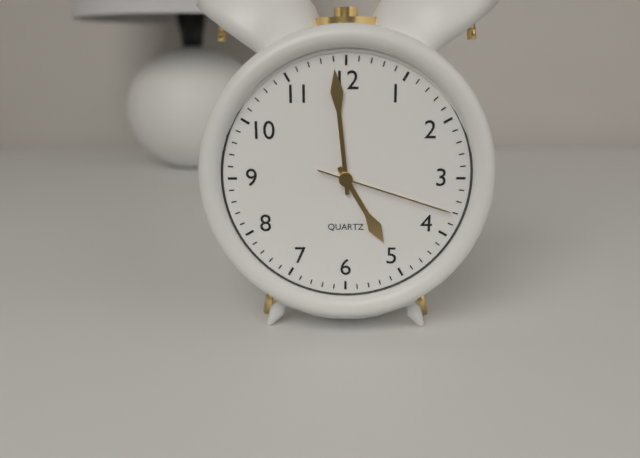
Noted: **4:59:18**
